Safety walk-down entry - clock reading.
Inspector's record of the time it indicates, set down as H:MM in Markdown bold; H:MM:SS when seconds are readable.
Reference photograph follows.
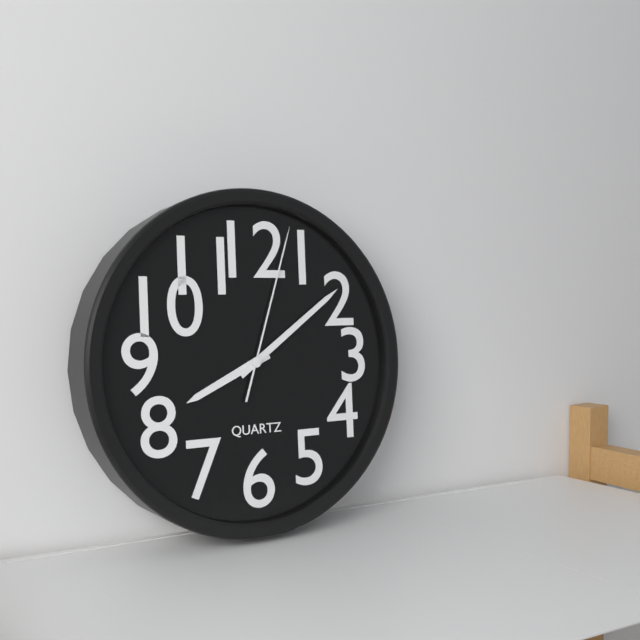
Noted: **8:09:03**
